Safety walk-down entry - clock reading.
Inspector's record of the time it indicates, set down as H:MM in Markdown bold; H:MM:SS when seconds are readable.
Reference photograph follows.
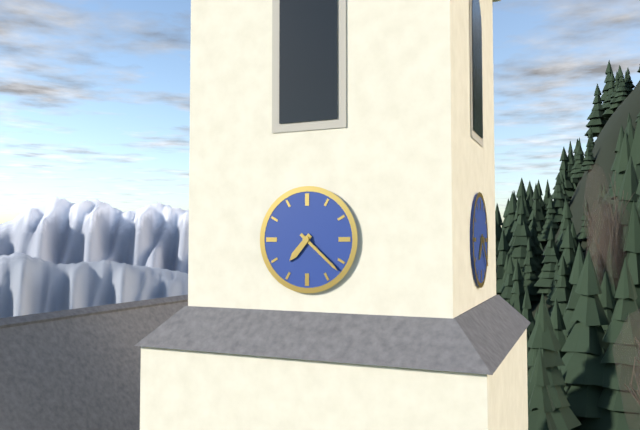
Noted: **7:22**
